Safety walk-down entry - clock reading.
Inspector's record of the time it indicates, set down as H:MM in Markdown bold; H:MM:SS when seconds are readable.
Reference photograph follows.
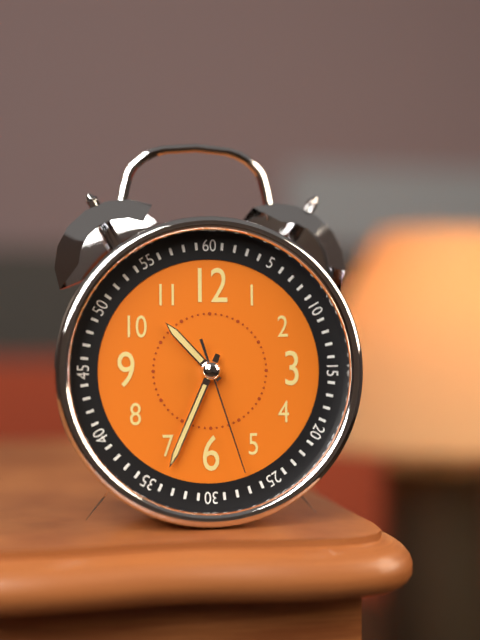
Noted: **10:34:27**
